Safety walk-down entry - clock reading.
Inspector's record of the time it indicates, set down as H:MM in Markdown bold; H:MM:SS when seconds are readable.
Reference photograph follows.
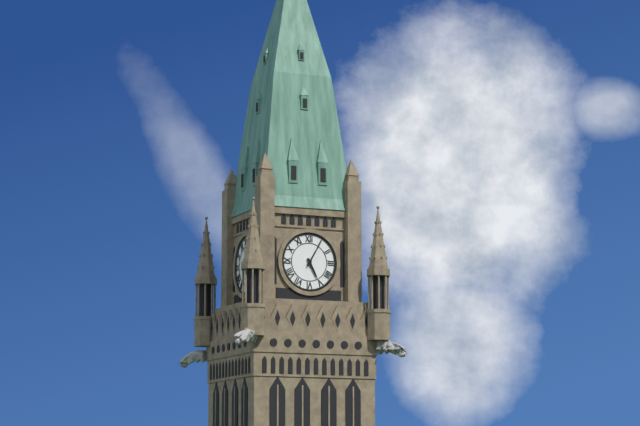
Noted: **5:05**
